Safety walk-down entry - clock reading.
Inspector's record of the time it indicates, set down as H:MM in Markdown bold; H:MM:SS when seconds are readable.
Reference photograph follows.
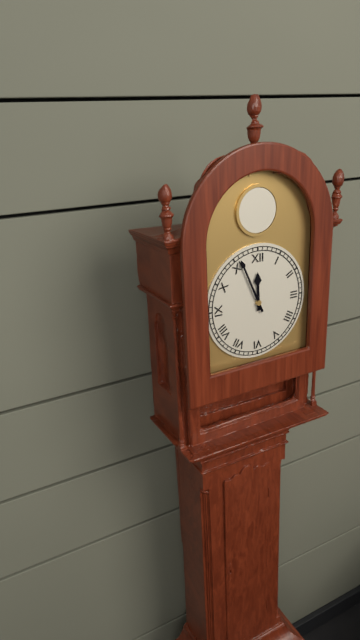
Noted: **11:56**
